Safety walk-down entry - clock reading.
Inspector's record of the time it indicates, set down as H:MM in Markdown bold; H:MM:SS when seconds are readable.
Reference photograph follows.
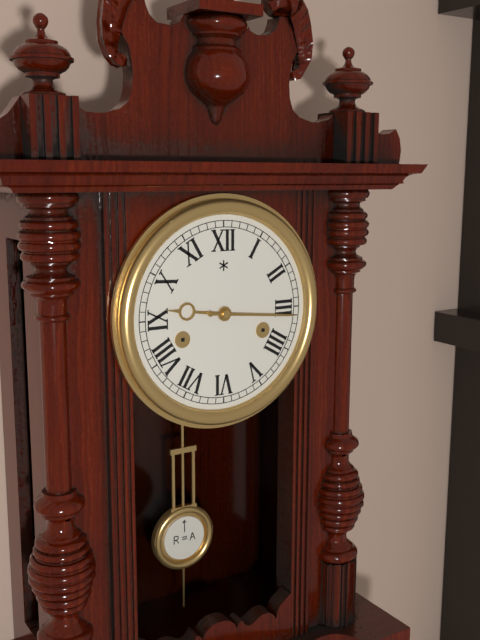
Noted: **9:16**
